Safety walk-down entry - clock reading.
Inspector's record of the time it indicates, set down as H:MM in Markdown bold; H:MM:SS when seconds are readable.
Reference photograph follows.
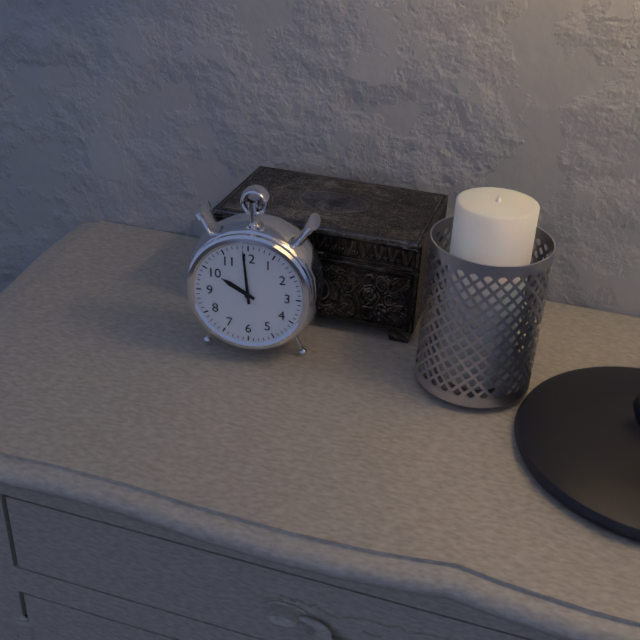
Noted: **9:59**
